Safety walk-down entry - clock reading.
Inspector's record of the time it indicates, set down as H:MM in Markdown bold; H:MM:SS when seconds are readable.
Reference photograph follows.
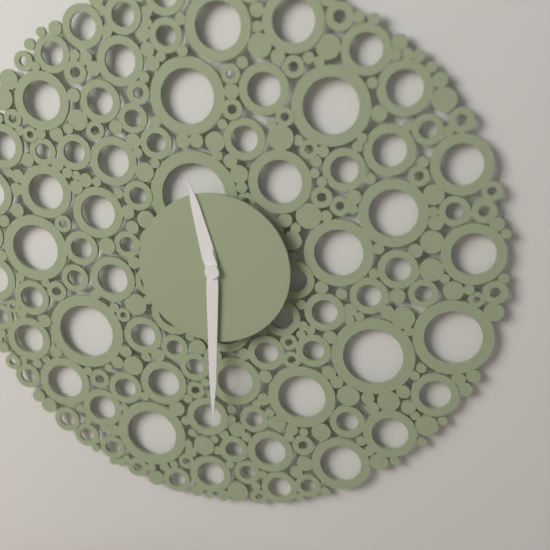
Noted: **11:30**
